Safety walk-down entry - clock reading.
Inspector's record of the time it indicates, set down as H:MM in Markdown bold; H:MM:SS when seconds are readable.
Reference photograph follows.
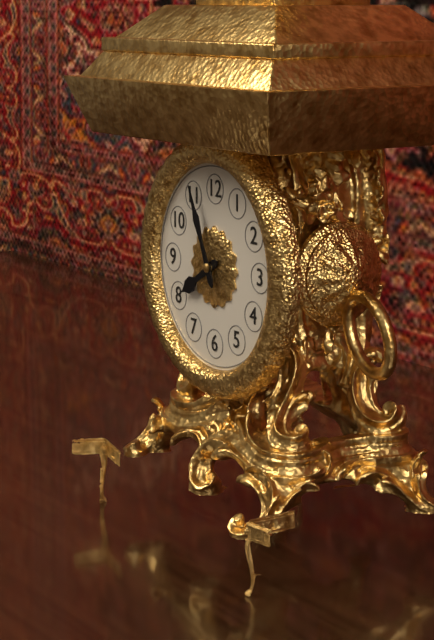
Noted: **7:56**
